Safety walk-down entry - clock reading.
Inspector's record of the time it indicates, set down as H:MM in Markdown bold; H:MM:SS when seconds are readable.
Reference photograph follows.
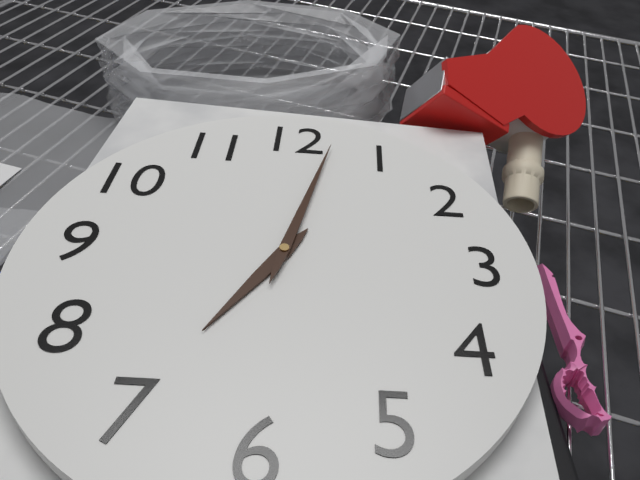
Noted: **7:02**
